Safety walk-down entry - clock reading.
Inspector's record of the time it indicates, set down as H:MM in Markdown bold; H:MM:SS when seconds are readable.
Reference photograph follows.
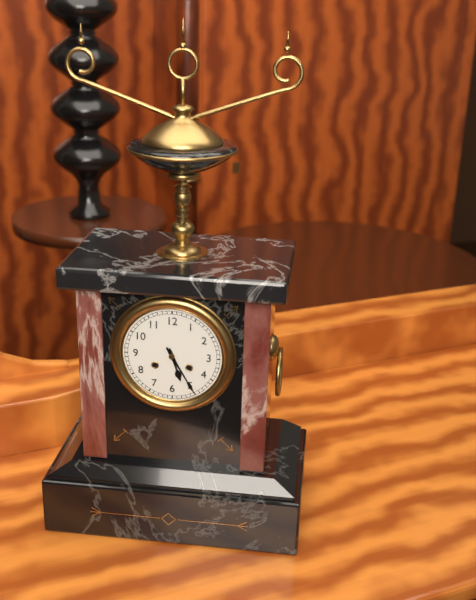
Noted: **5:25**
